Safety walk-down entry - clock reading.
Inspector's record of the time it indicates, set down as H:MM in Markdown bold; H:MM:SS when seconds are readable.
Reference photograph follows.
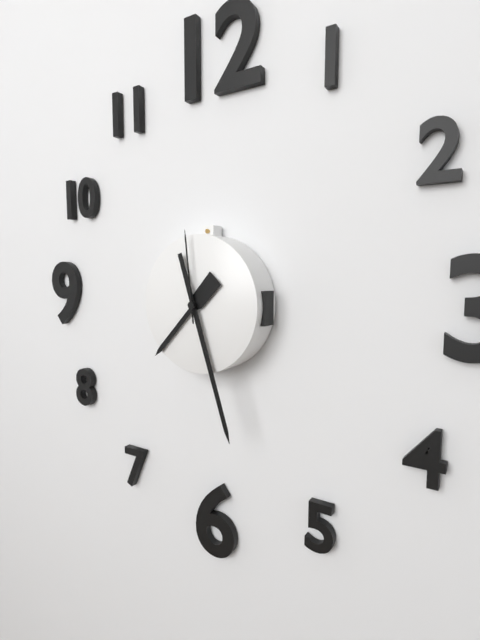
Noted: **7:27:59**
